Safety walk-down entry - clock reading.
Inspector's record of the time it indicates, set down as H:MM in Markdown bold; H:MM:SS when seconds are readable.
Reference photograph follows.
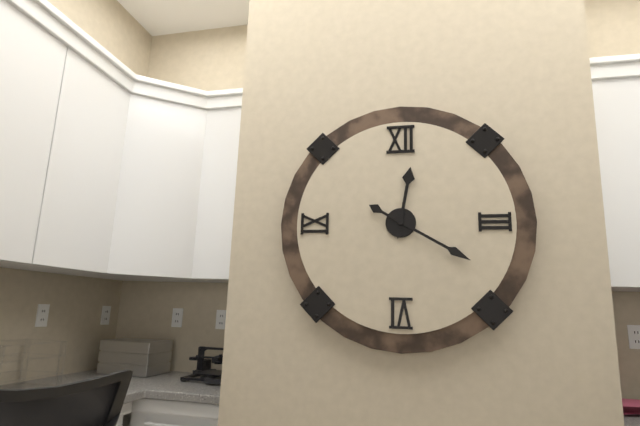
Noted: **12:20**
